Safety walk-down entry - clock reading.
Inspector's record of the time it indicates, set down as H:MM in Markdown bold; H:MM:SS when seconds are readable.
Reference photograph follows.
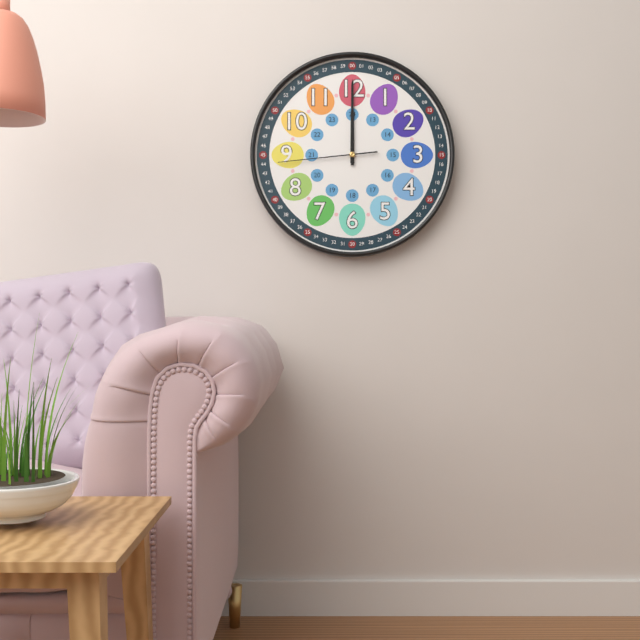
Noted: **12:00:44**
